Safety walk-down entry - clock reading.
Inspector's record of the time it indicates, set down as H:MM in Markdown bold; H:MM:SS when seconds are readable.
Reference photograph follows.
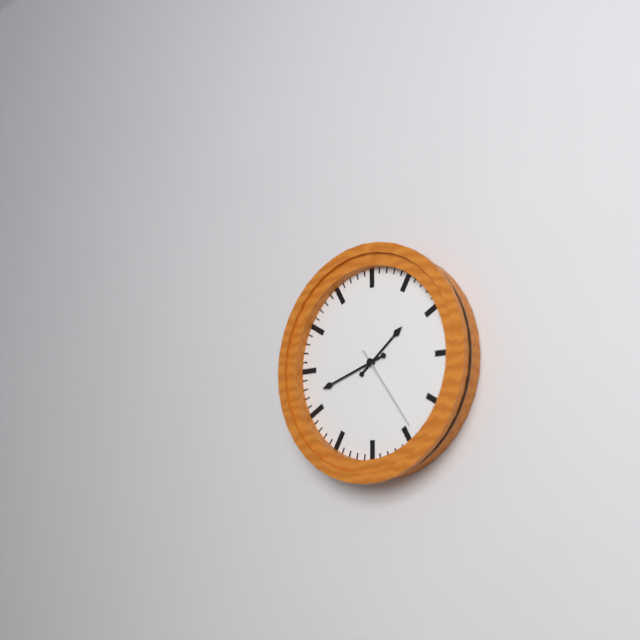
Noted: **1:42:24**
